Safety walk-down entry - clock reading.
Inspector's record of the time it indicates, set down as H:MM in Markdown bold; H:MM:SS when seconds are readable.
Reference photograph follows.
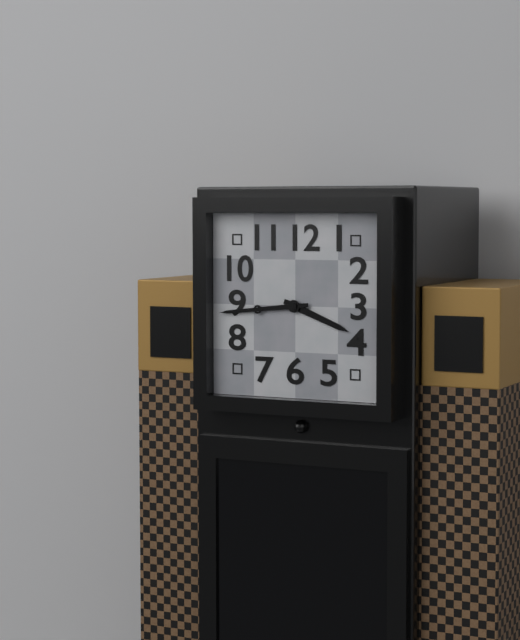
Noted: **3:44**
